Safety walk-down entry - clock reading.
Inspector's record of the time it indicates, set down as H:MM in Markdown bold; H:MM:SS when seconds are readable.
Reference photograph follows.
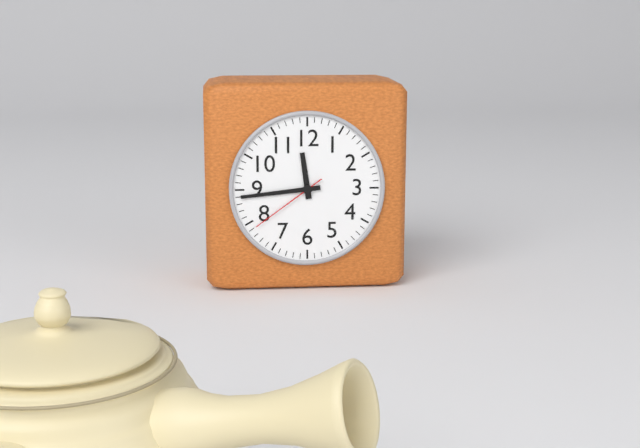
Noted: **11:44:39**
